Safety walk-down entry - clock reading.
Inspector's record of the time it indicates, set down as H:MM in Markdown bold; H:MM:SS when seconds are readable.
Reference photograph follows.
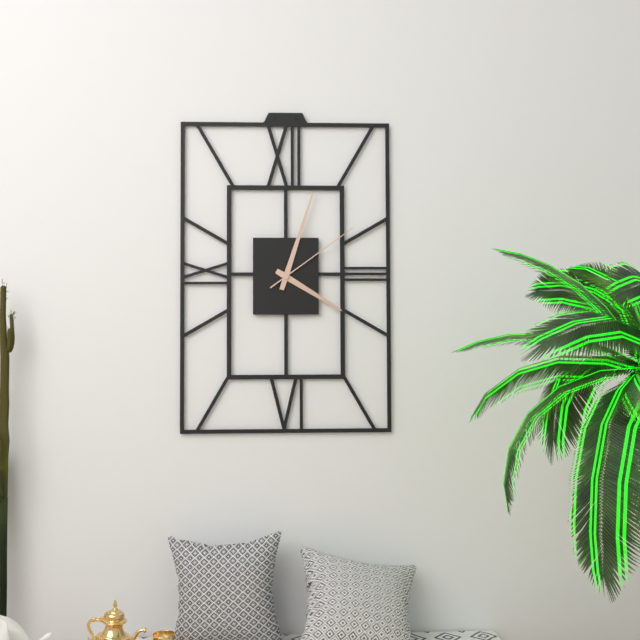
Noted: **4:03:09**
